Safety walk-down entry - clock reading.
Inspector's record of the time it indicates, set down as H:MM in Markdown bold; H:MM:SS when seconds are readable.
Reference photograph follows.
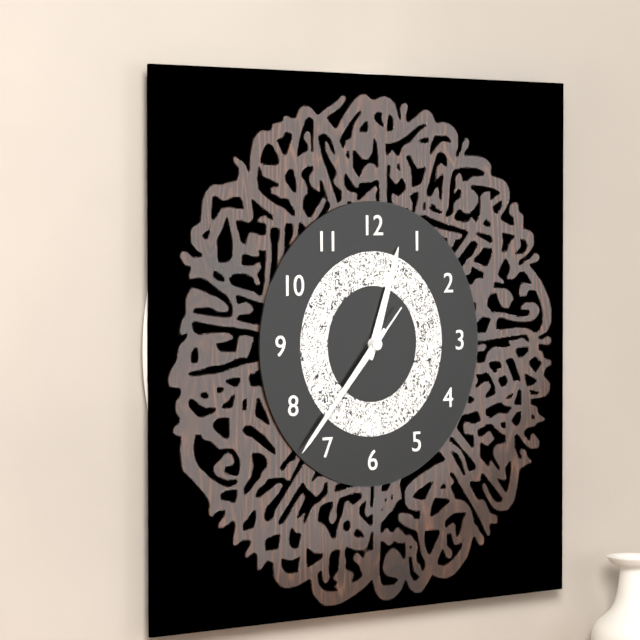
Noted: **12:37:37**
